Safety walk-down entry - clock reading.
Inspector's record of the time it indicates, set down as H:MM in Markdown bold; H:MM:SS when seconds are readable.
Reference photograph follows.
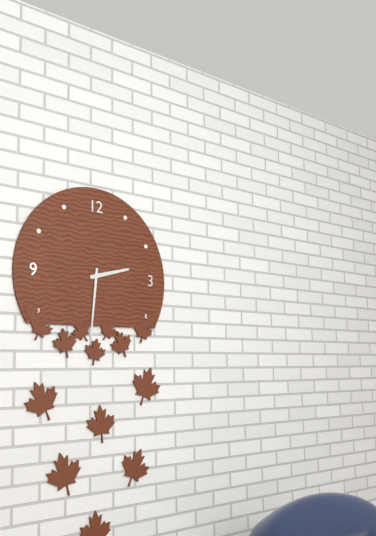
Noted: **2:31**
